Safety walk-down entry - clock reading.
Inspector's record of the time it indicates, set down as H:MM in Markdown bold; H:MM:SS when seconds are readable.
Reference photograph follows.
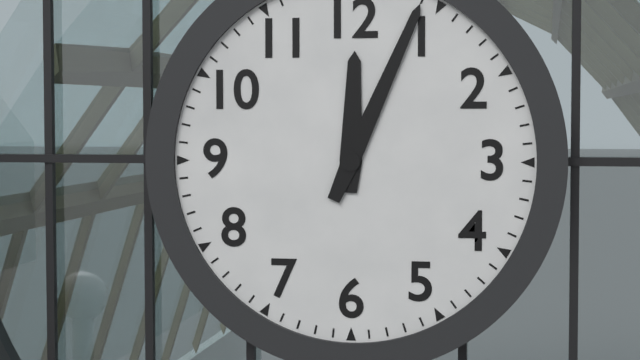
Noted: **12:04**
